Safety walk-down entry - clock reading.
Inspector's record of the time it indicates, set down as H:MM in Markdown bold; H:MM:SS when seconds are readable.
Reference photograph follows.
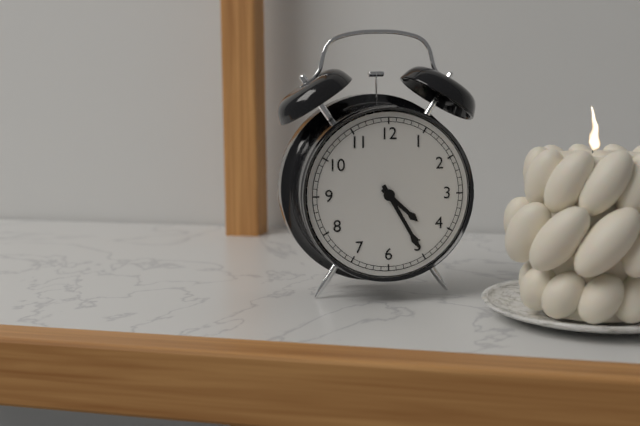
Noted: **4:25**
